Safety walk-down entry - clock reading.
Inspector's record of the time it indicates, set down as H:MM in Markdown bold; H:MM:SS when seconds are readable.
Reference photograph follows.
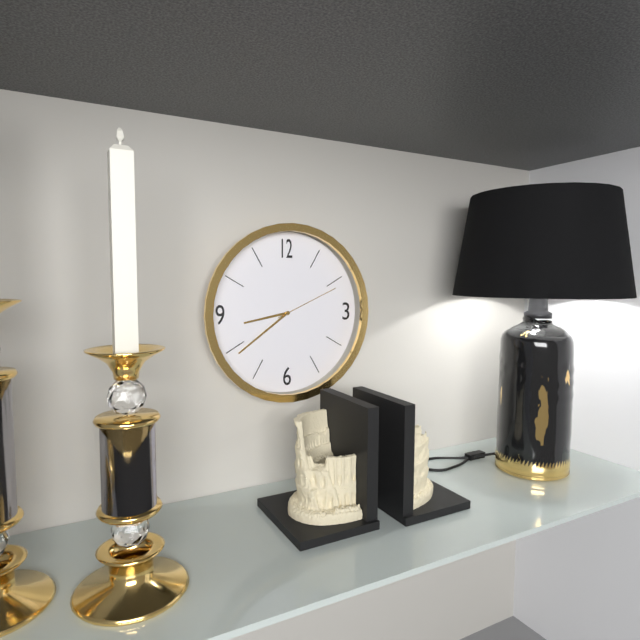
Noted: **8:39:11**
